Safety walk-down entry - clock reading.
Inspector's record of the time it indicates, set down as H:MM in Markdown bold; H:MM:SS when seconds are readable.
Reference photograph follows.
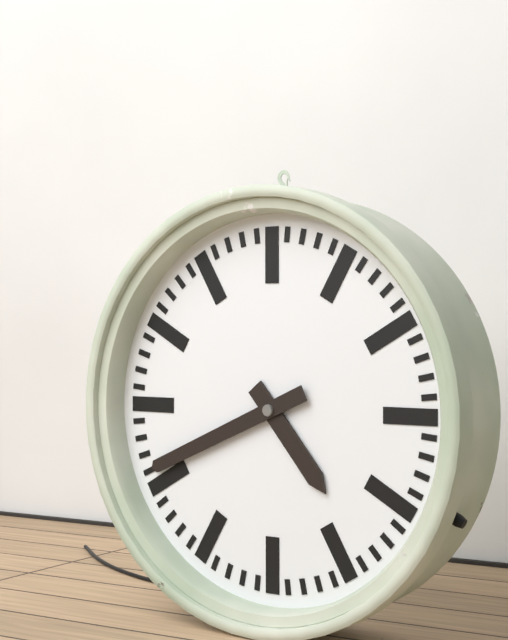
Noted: **4:41**
